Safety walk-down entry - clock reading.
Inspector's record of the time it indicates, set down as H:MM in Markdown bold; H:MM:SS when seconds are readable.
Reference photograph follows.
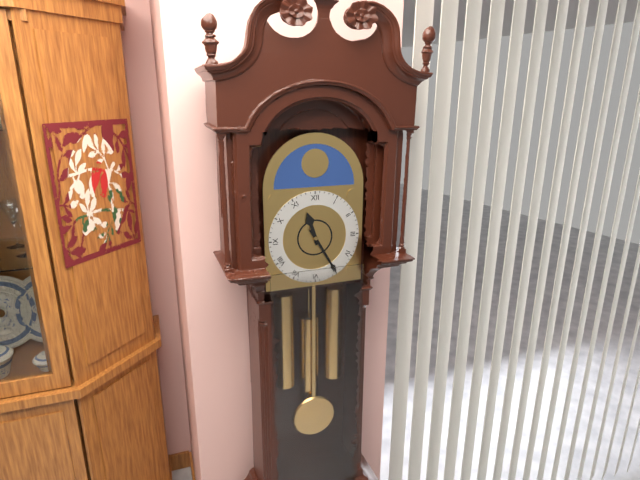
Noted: **11:25**
